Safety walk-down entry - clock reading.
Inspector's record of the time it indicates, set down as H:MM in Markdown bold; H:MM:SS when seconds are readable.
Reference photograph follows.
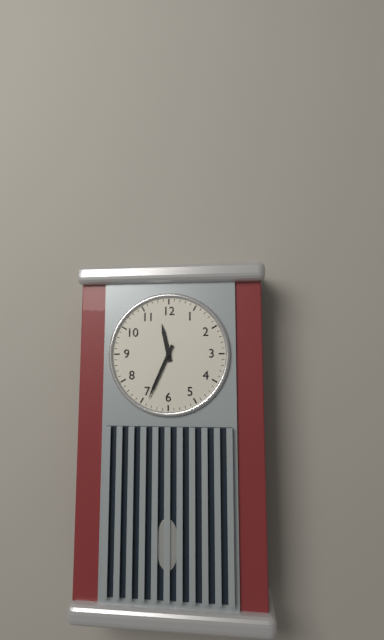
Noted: **11:34**
